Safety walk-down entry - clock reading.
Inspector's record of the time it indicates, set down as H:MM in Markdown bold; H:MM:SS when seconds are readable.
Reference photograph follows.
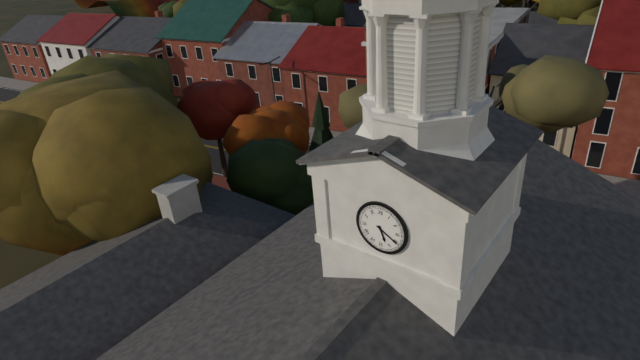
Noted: **5:20**
